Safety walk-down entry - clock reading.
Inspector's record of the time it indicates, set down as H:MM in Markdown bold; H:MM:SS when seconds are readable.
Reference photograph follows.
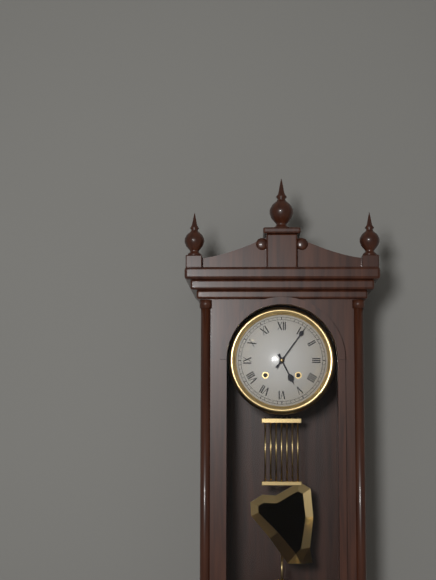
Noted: **5:06**
